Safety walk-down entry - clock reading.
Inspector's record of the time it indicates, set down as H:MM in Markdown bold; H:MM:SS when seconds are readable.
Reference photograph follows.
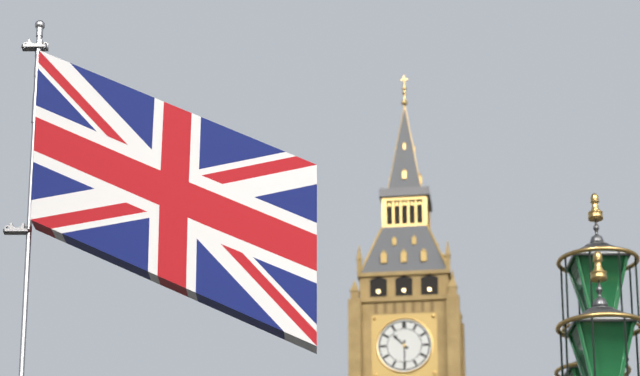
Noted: **10:30**
